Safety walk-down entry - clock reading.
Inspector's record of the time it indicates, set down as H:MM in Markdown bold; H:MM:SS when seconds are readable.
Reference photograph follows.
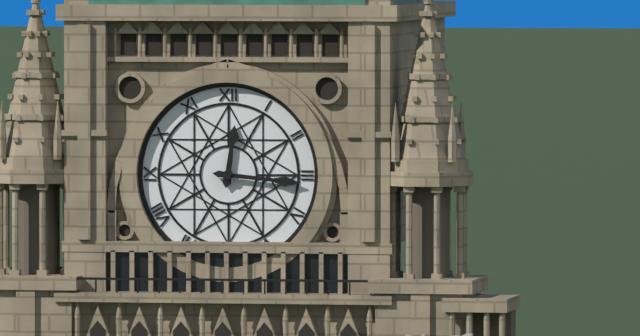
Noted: **12:16**
